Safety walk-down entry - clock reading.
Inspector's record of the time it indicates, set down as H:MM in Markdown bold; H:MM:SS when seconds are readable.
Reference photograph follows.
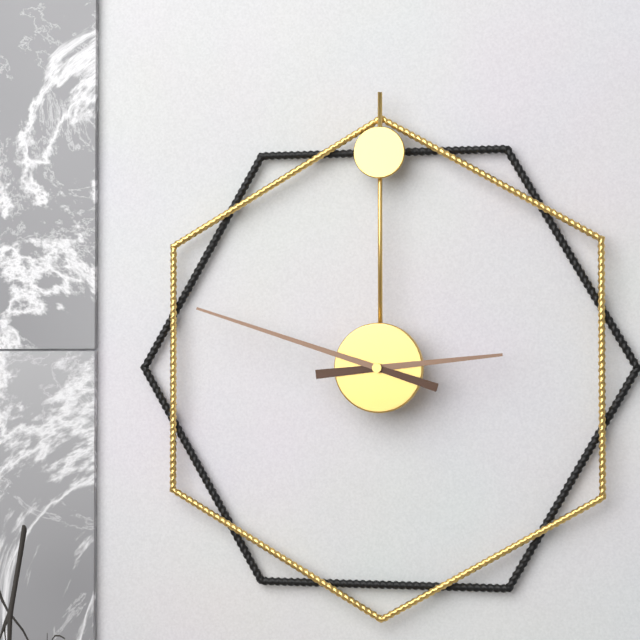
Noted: **2:48**
